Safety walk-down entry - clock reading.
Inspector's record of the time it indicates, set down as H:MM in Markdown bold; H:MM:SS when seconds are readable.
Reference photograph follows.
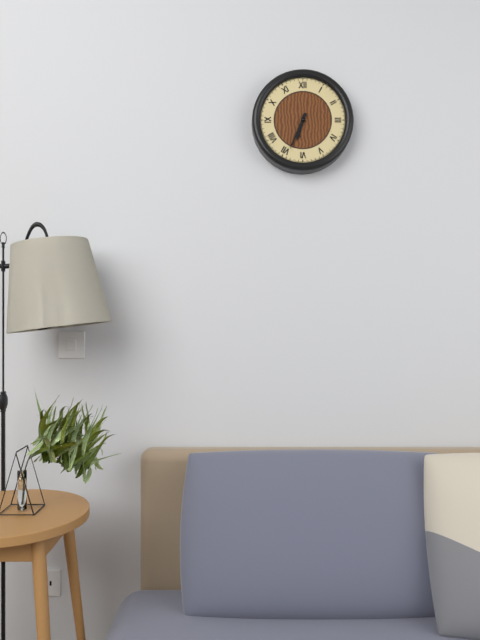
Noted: **6:34**
